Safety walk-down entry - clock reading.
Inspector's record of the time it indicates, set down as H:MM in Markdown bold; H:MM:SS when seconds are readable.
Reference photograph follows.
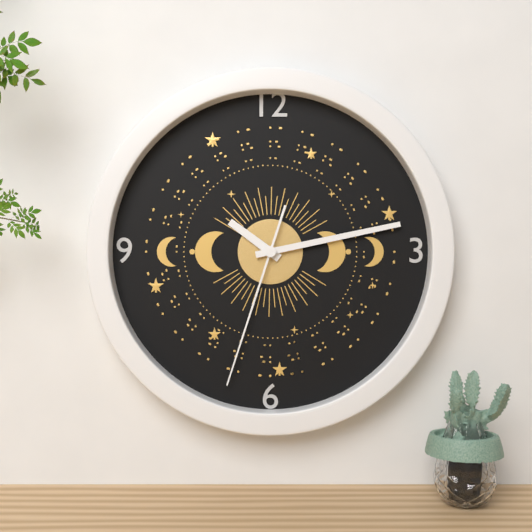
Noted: **10:13:33**
